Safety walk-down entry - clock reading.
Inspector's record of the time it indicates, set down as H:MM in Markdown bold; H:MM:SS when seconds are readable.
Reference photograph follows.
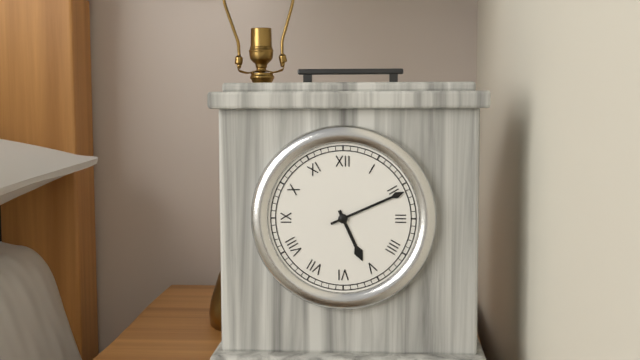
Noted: **5:11**
